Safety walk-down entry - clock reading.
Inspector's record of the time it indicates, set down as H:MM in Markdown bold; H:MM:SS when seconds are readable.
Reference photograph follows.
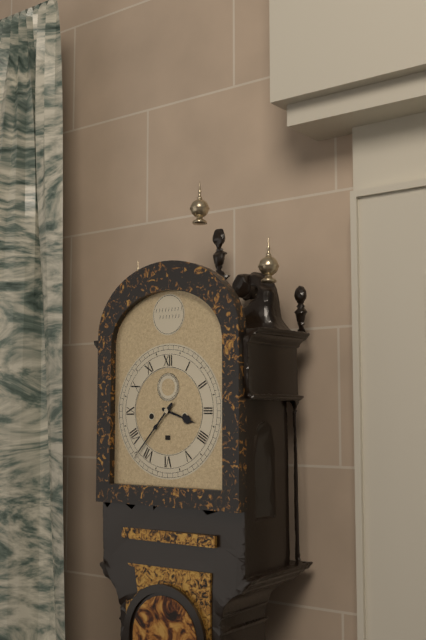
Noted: **3:37**
